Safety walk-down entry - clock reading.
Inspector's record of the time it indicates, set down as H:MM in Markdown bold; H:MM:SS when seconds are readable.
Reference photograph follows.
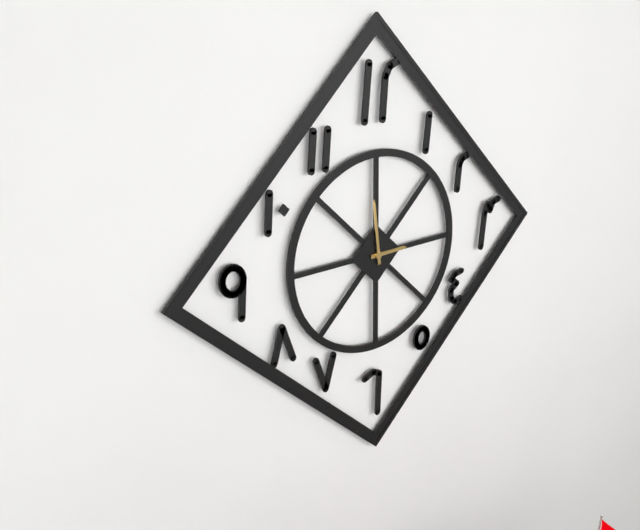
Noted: **2:59**
